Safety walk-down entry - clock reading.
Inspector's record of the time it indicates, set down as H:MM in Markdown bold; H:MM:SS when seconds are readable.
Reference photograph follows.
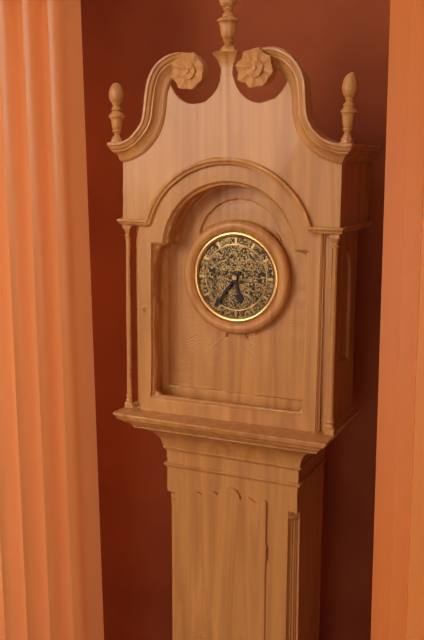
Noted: **5:36**
